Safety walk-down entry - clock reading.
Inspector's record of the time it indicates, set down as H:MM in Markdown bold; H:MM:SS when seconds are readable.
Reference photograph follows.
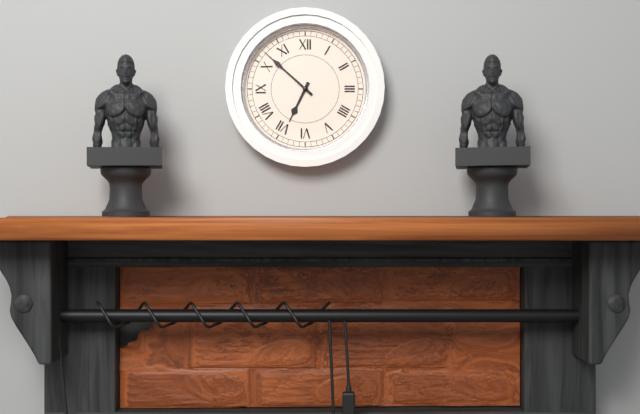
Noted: **6:52**
